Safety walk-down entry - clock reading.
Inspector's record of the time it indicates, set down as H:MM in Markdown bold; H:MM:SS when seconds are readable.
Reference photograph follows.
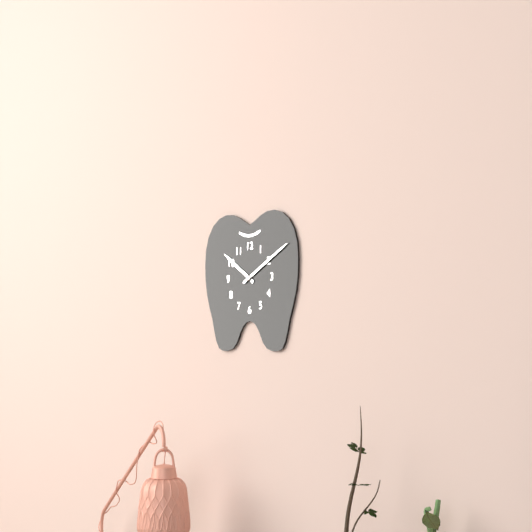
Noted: **10:10**
